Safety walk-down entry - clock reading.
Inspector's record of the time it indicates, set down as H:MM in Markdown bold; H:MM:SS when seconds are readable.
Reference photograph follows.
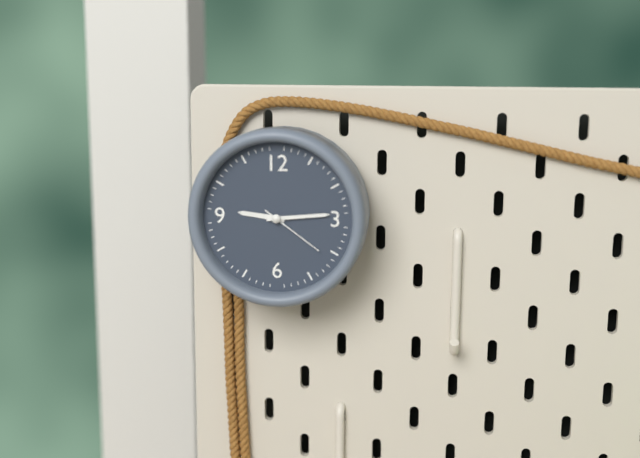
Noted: **9:14:21**
